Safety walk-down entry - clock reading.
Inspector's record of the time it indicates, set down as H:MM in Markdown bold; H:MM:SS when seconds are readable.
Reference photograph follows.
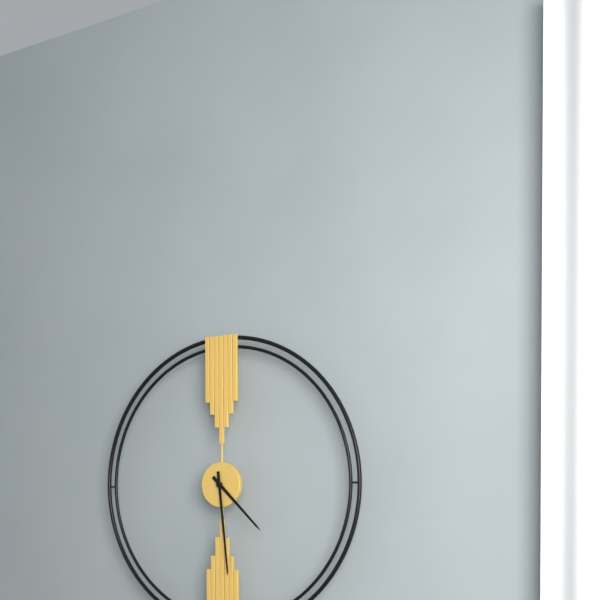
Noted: **4:29**
